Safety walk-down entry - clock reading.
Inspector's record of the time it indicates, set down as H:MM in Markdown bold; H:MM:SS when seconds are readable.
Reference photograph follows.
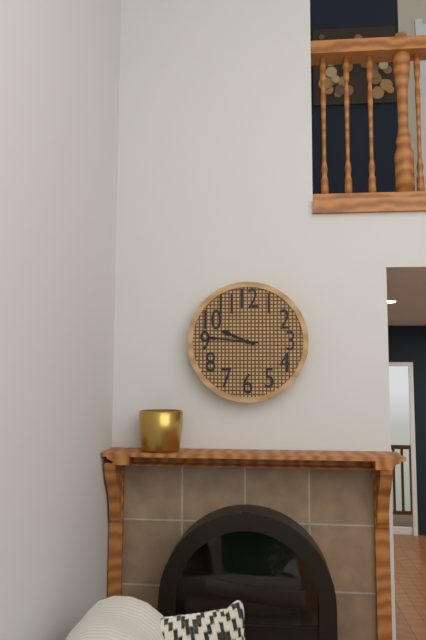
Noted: **9:46**
